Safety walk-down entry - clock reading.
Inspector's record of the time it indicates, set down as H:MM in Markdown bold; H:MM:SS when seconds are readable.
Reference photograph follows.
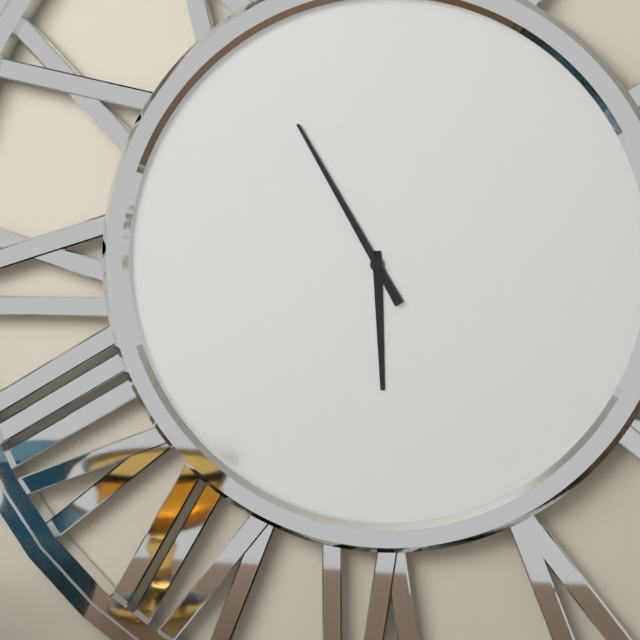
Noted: **5:55**
